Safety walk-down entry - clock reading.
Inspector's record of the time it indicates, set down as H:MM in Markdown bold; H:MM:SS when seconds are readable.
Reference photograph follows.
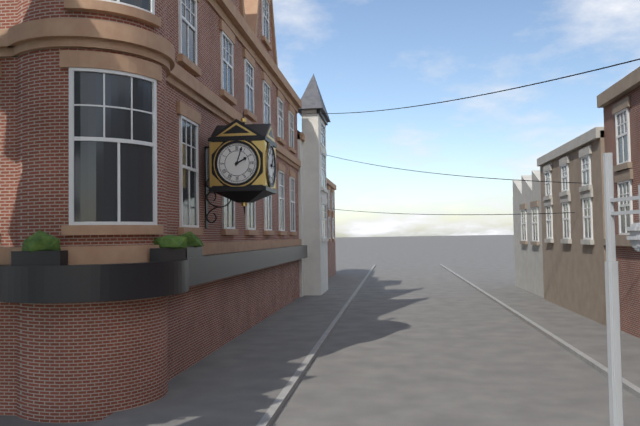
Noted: **2:03**
